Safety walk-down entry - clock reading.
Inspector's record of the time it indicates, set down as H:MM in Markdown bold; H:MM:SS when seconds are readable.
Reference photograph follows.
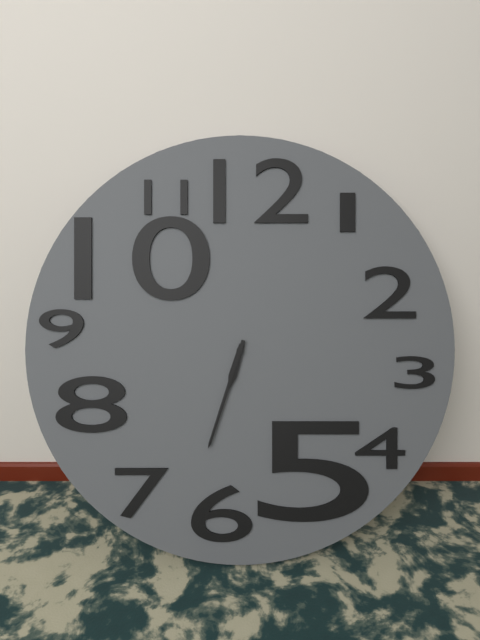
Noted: **6:33**
